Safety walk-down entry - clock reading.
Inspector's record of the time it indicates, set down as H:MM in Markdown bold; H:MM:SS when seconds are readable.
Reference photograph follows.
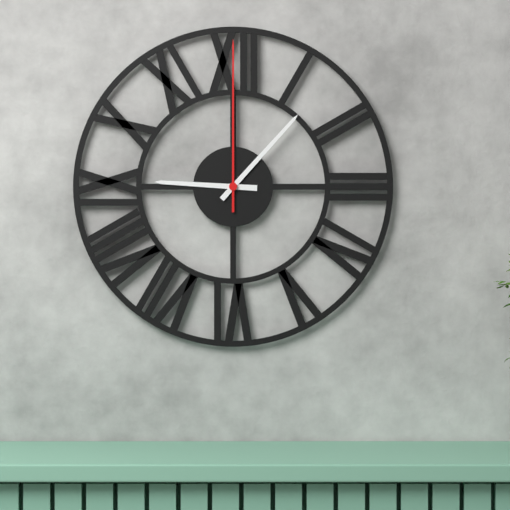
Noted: **9:07:00**
